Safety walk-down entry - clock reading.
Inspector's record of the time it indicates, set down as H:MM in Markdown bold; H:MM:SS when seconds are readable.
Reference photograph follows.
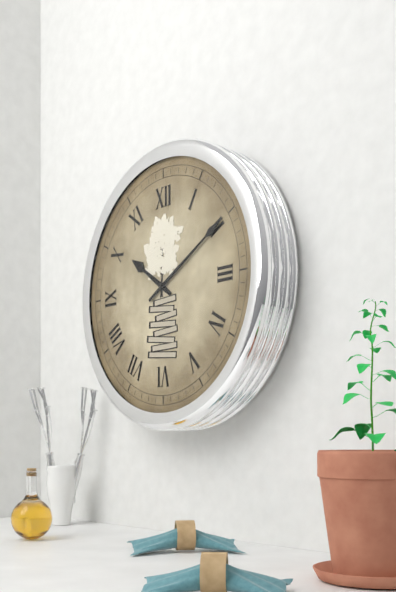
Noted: **10:10**
